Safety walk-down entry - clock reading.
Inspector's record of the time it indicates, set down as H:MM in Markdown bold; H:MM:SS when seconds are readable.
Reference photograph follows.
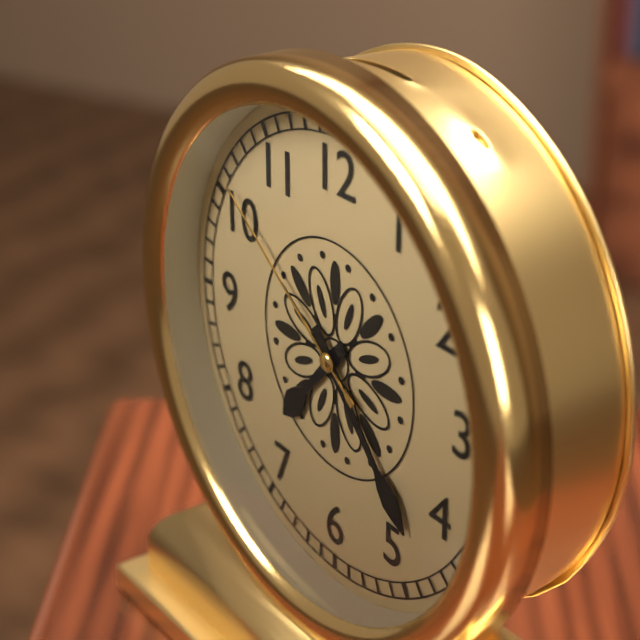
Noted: **7:23:51**
